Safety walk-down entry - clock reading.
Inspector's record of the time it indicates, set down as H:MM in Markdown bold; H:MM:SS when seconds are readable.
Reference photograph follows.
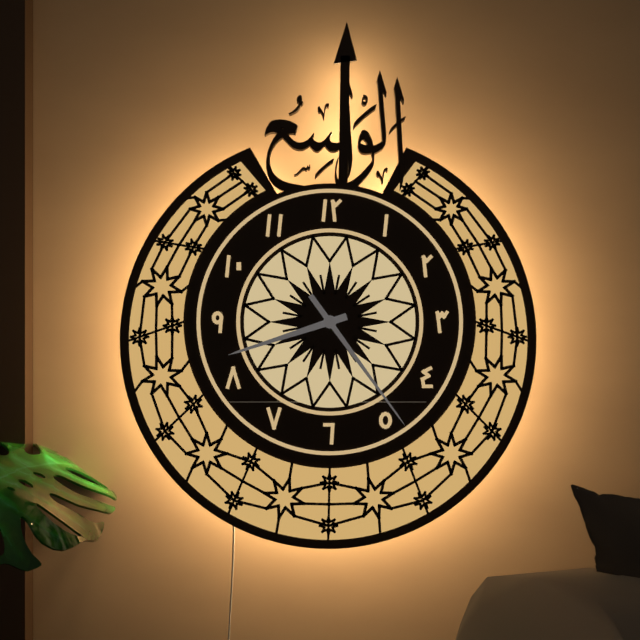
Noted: **8:24**
